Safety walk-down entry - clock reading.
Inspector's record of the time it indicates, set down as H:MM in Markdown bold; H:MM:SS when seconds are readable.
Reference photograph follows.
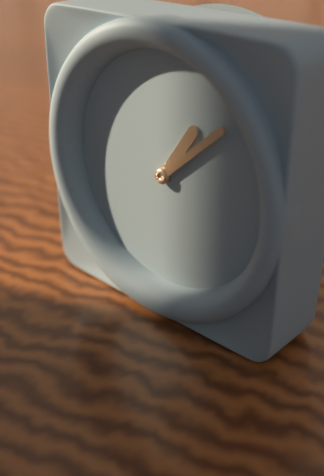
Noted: **1:08**
